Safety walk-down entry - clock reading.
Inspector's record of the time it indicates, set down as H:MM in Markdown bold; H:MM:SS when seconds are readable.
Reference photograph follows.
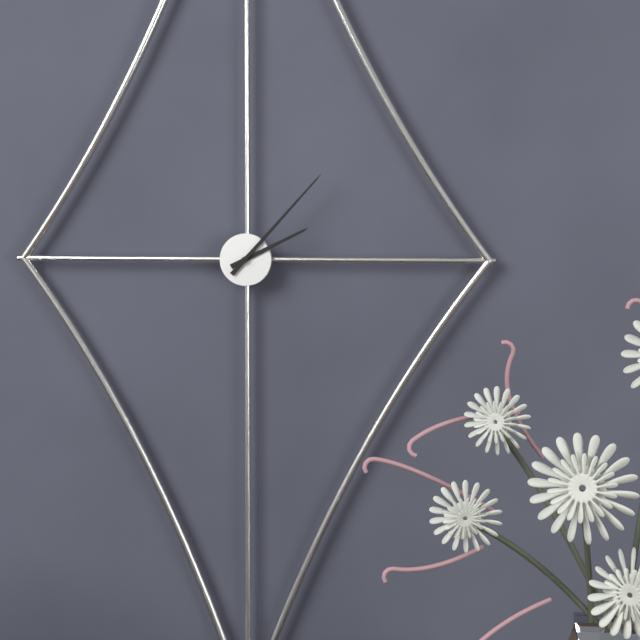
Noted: **2:07**
